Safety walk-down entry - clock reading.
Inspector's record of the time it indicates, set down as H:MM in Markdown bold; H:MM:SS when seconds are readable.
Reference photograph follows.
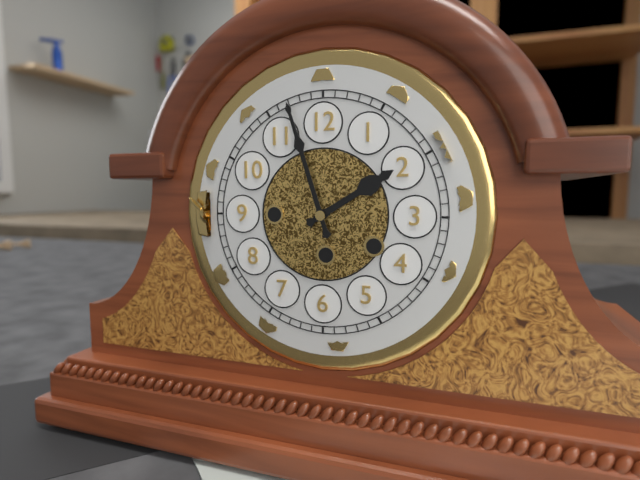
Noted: **1:57**
